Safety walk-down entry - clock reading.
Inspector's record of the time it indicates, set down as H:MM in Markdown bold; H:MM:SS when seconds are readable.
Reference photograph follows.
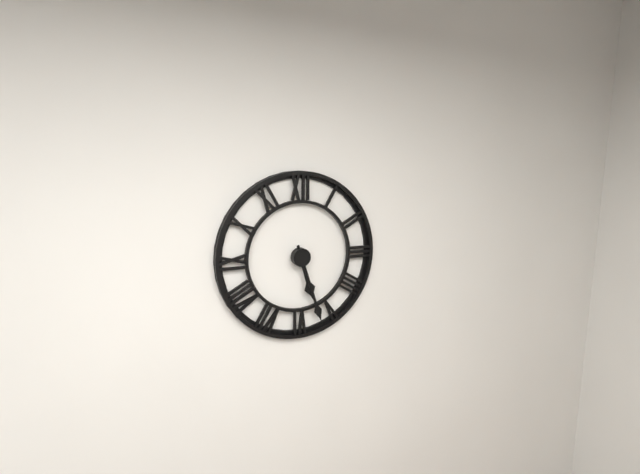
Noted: **5:27**
